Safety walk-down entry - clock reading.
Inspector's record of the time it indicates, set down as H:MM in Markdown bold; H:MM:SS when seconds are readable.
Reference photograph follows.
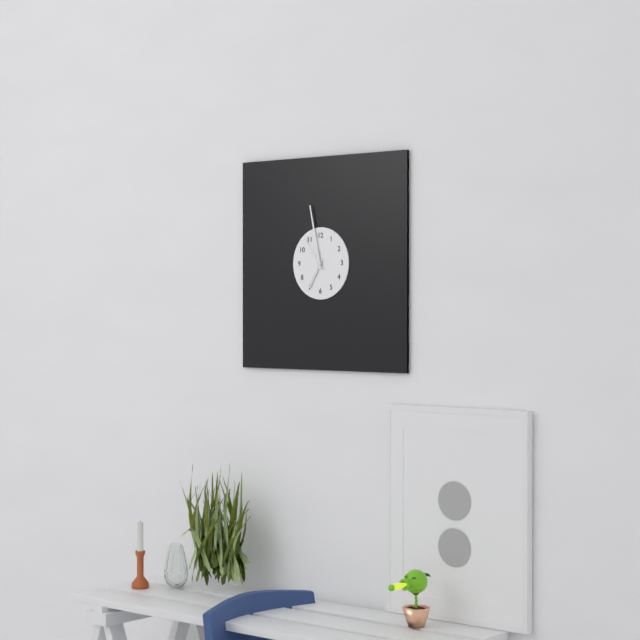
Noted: **6:58**
